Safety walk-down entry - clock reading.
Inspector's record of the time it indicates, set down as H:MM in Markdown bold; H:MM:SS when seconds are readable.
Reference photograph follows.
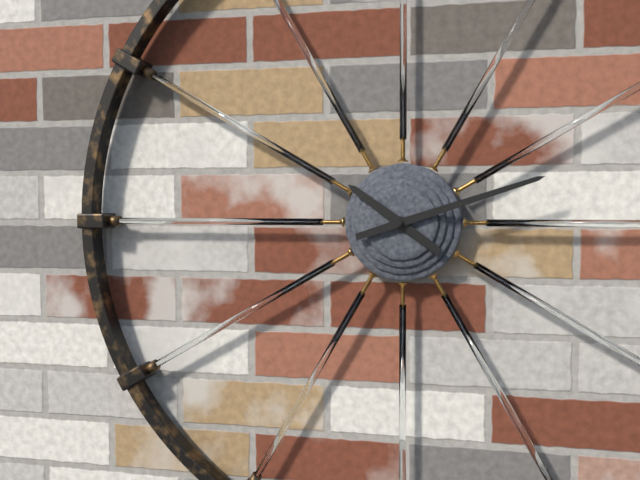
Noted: **10:12**
